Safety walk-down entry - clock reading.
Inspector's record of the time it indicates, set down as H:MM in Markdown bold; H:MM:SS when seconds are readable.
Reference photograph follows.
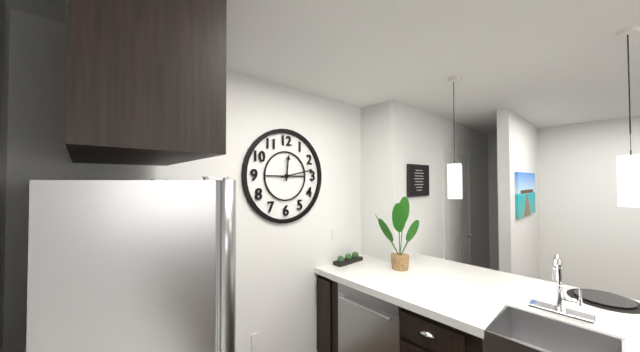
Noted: **12:13**
